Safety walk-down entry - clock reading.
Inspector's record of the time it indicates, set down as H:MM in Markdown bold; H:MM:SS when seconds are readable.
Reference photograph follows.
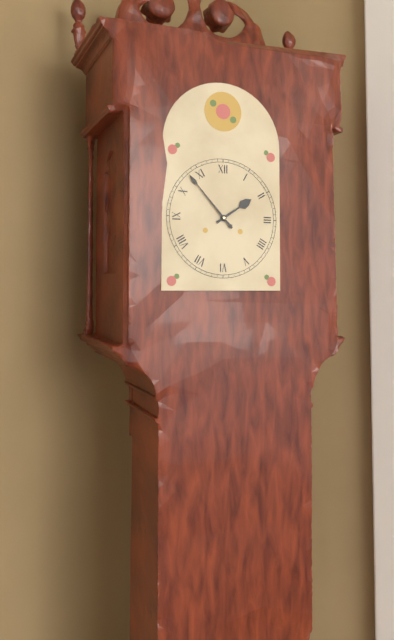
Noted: **1:53**
